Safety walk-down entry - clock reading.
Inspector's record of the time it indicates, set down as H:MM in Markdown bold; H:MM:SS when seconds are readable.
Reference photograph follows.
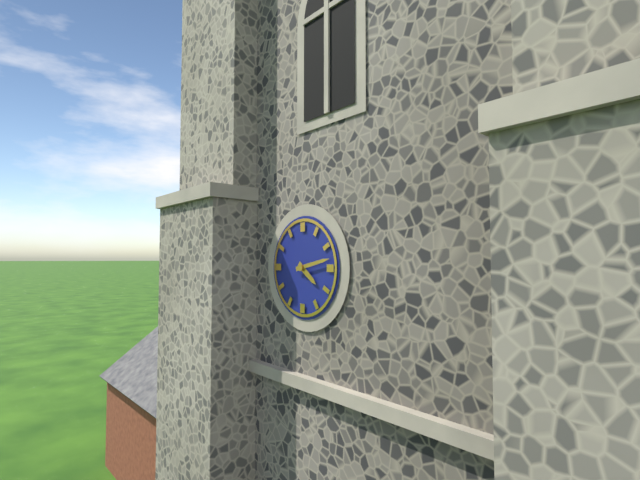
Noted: **4:13**
